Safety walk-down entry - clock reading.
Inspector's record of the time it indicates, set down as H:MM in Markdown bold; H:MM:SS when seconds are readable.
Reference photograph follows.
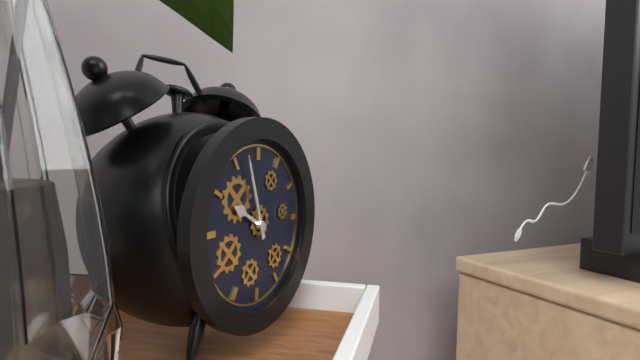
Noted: **9:57**
